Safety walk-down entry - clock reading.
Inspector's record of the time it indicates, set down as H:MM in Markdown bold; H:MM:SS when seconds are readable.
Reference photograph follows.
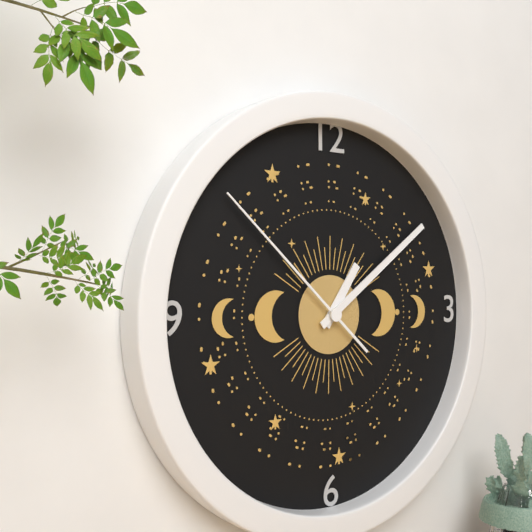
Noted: **1:09:52**
